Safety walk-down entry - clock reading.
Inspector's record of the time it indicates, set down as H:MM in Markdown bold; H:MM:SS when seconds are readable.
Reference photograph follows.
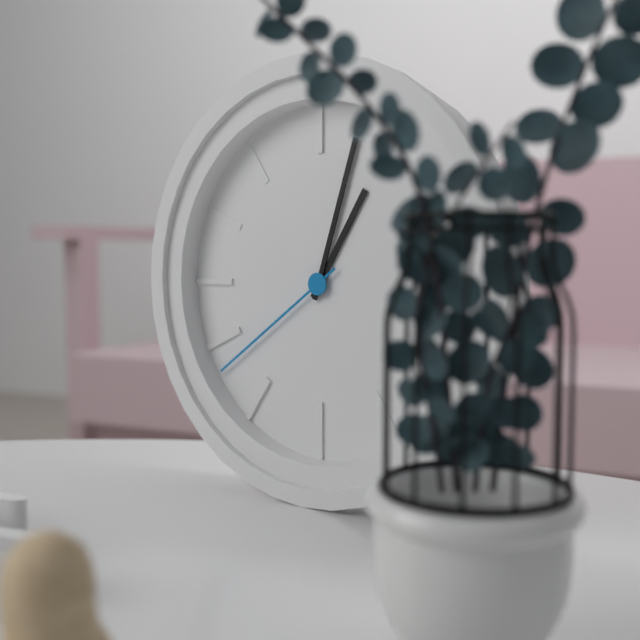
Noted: **1:03:39**
